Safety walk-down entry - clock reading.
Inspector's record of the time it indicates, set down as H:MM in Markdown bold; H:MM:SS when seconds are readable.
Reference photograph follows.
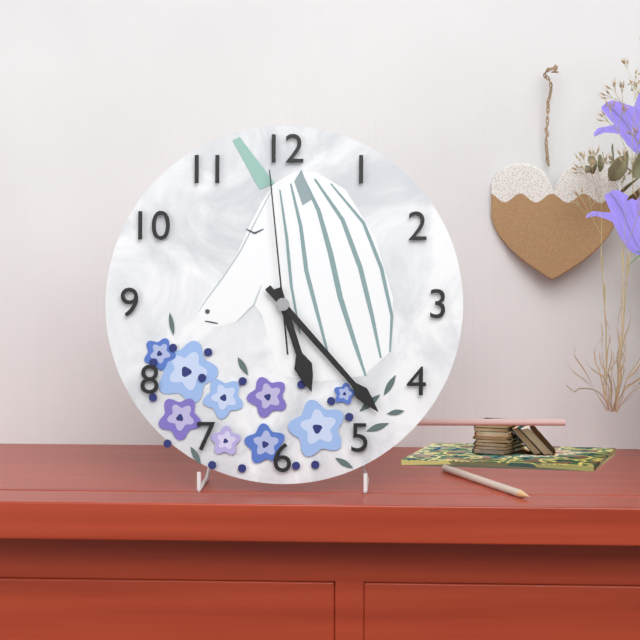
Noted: **5:23:59**
